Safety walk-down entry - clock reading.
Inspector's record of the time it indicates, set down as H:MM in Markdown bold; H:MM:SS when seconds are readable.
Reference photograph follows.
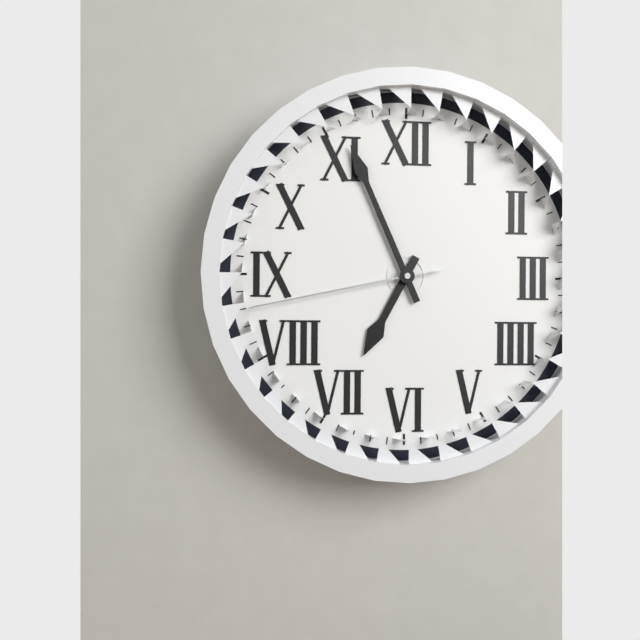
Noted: **6:56:43**
